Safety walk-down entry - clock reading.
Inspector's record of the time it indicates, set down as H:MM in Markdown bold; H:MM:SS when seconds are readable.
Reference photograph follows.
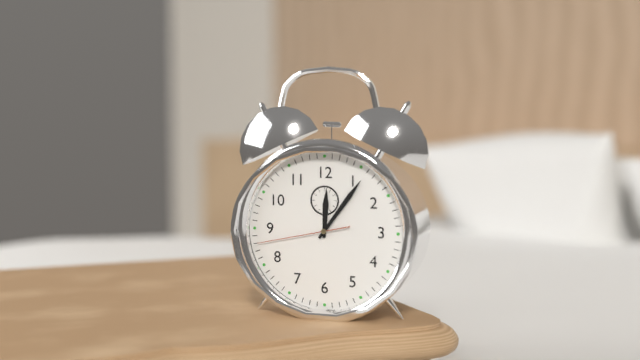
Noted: **12:06:43**
